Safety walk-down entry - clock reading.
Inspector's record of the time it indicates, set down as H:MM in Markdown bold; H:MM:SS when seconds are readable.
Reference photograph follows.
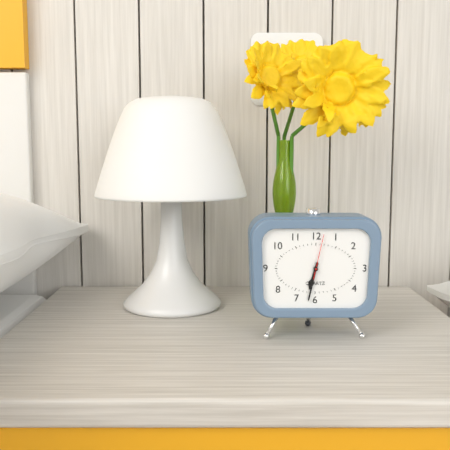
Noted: **6:32**
